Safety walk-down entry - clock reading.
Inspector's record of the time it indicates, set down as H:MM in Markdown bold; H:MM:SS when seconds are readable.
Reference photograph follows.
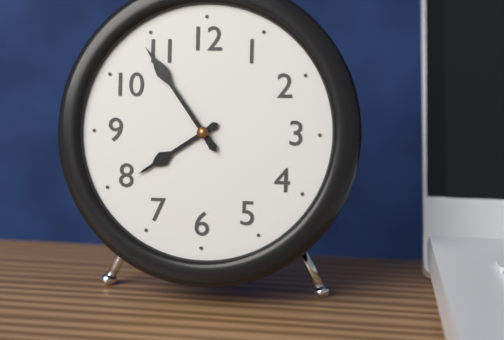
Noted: **7:54**
